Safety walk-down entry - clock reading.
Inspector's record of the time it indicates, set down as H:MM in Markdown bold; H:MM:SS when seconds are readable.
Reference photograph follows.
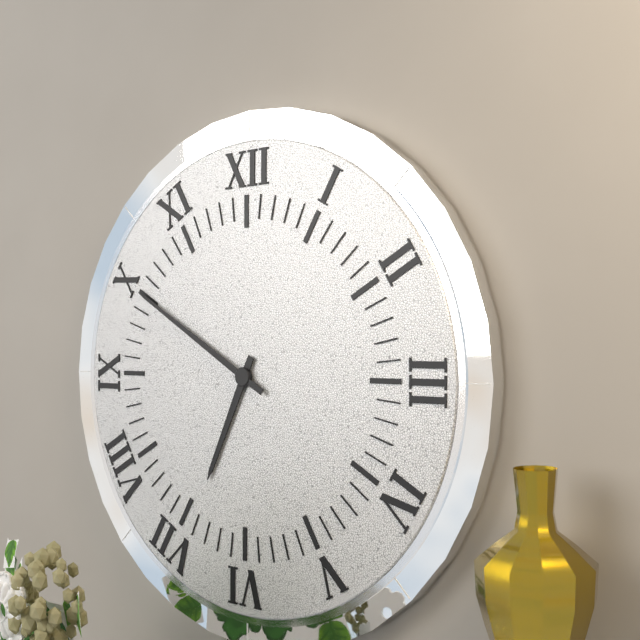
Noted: **6:50**
